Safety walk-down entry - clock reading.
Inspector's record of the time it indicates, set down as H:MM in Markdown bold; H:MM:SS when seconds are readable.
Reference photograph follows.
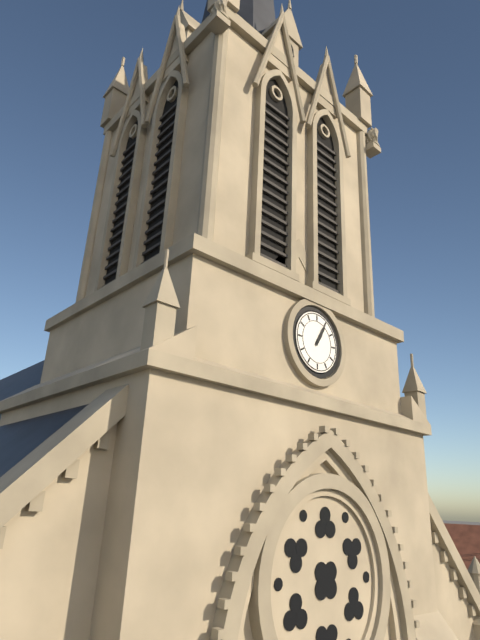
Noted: **1:05**
